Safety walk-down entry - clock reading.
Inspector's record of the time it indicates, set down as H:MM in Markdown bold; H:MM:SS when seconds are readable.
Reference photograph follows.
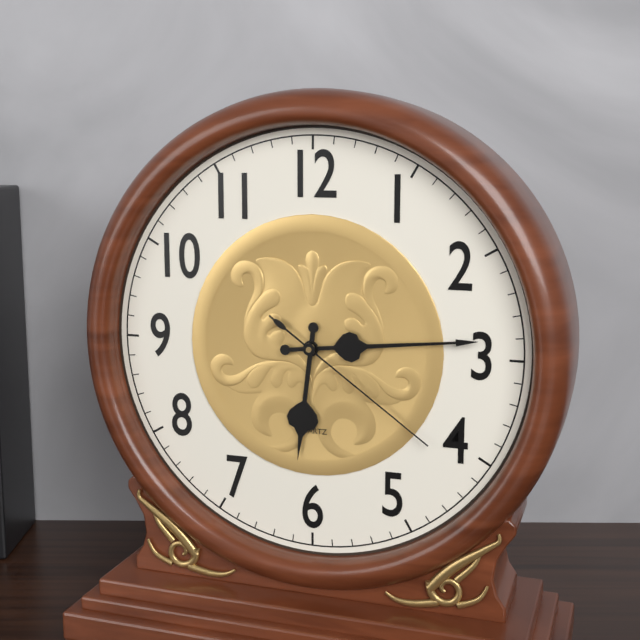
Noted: **6:14:21**
